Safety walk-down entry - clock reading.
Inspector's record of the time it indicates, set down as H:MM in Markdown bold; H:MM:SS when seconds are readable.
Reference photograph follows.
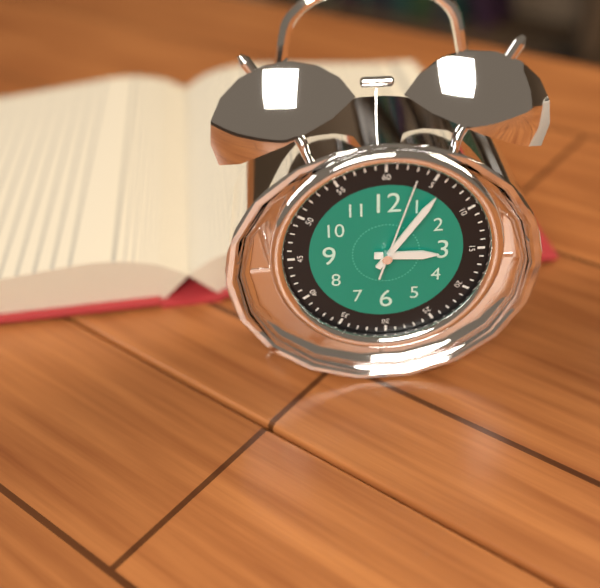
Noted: **3:06:03**
